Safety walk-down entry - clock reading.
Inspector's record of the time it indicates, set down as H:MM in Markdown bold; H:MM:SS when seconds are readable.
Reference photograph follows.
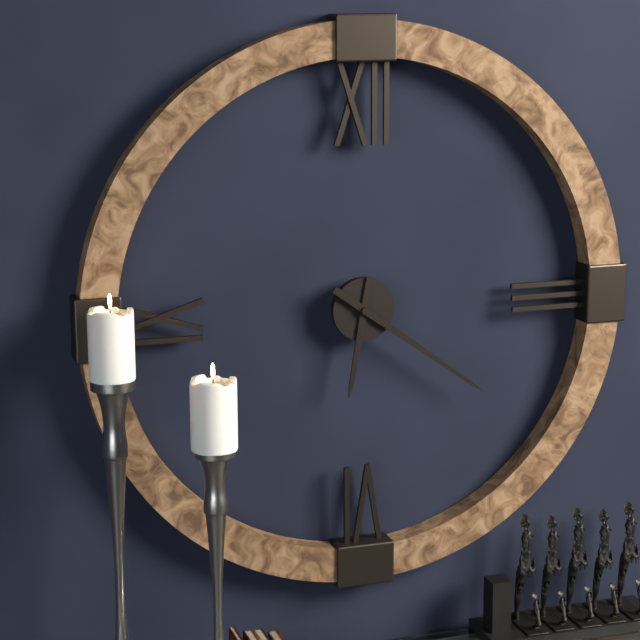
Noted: **6:21**
